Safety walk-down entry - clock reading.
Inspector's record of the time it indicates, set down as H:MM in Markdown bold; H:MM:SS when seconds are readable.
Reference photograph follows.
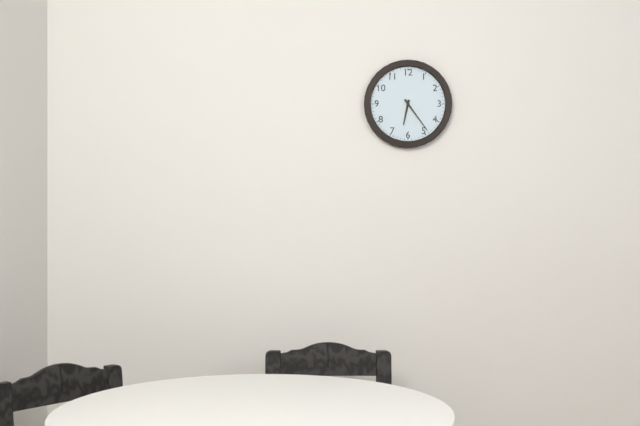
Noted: **6:24**
